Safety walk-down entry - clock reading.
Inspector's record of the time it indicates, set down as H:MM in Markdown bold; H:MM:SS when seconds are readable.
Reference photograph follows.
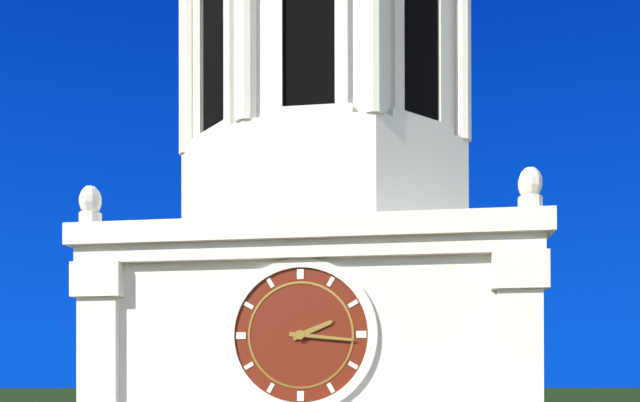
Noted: **2:16**
